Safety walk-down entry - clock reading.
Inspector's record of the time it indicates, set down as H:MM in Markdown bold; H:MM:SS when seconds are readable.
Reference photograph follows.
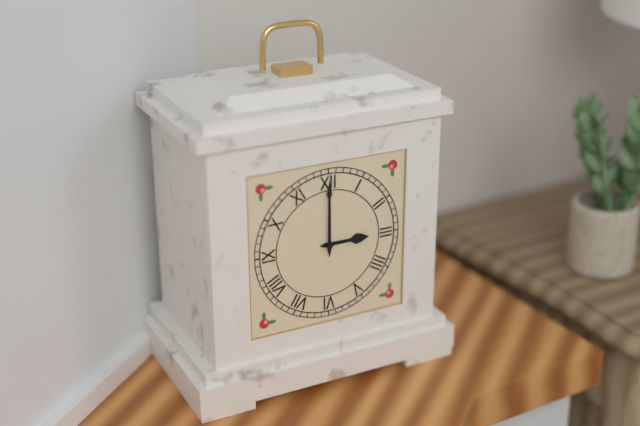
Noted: **3:00**
